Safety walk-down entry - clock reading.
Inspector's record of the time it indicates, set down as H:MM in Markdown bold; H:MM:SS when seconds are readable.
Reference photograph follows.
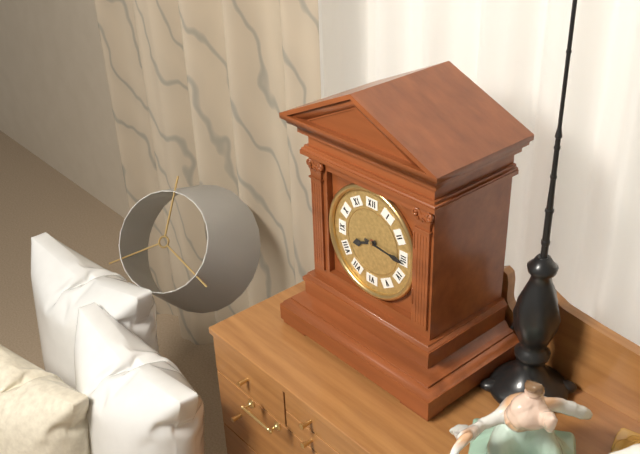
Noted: **8:16**
